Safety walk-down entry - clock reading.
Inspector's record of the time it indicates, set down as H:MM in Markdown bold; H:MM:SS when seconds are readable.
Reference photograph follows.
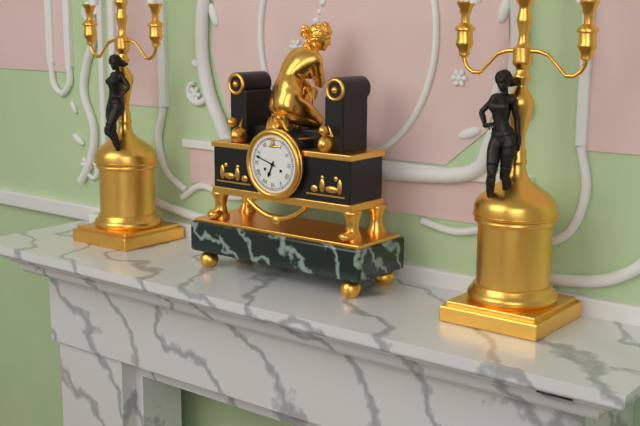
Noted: **6:48**
